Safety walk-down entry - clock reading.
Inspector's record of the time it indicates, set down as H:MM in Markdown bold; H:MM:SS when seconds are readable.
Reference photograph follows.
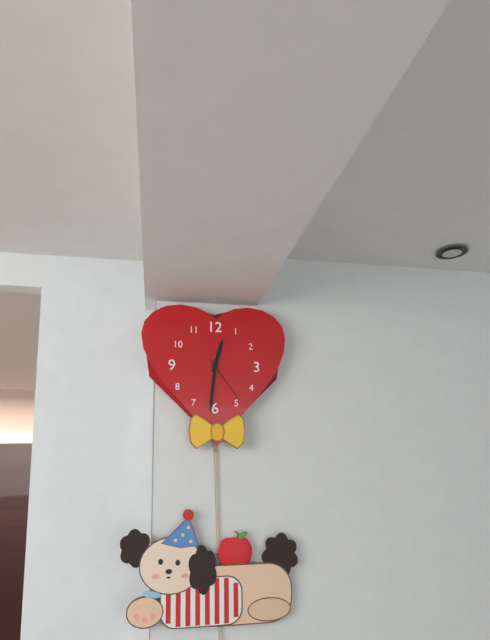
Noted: **12:31:24**
